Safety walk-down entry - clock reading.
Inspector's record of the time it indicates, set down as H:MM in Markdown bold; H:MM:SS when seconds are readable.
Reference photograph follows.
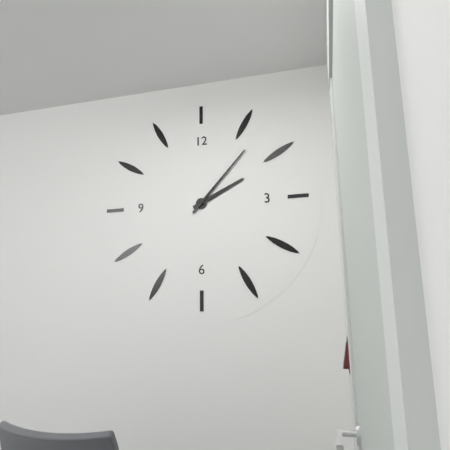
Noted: **2:07**
